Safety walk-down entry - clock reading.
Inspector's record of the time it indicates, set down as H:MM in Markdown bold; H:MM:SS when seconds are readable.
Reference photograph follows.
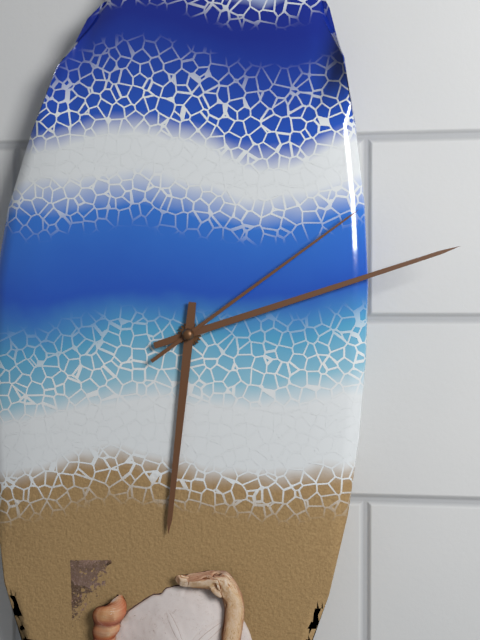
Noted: **6:12:09**
